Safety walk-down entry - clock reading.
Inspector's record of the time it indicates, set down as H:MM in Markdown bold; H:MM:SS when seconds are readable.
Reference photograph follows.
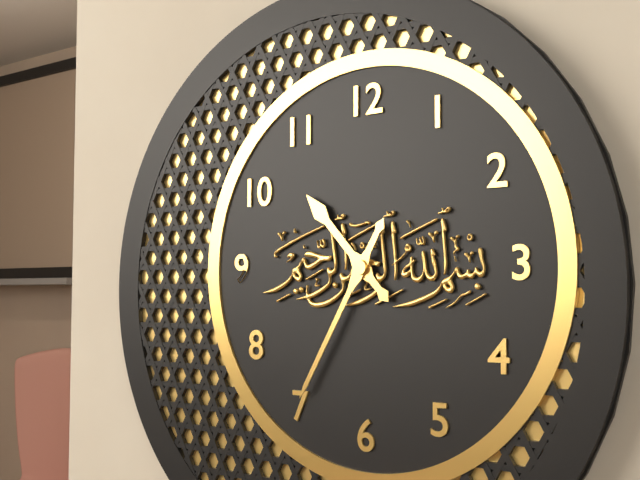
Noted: **10:35**
